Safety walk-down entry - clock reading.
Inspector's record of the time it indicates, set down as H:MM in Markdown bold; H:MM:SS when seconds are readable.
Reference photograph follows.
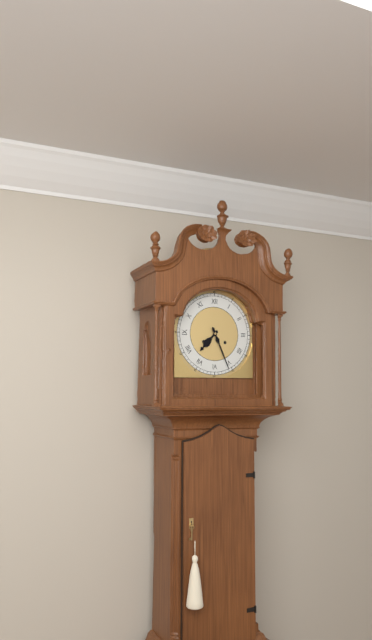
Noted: **7:26**
